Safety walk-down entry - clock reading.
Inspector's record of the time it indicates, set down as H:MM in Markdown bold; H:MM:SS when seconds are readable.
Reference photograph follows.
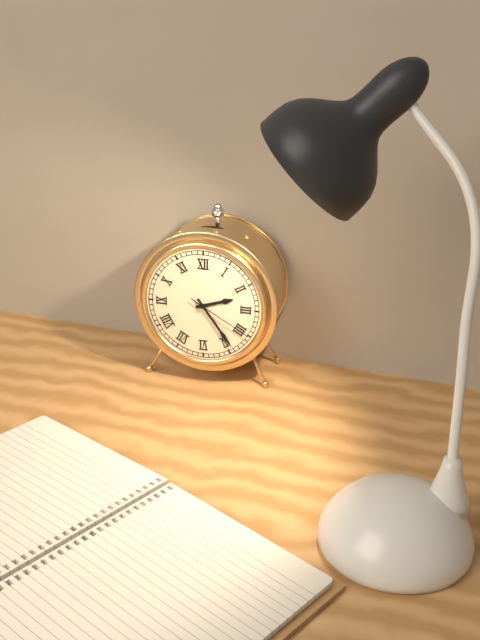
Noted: **2:24:20**
